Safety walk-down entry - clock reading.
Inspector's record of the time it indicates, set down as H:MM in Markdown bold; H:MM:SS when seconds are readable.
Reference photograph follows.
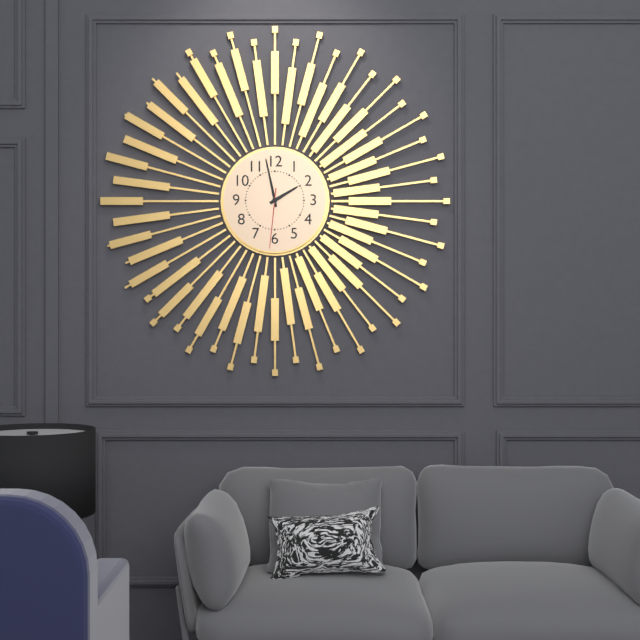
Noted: **1:58:31**
